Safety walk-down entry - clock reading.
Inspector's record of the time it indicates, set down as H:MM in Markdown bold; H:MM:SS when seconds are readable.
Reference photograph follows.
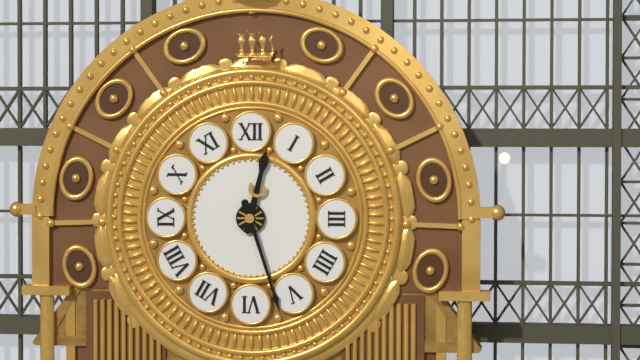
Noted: **12:27**
